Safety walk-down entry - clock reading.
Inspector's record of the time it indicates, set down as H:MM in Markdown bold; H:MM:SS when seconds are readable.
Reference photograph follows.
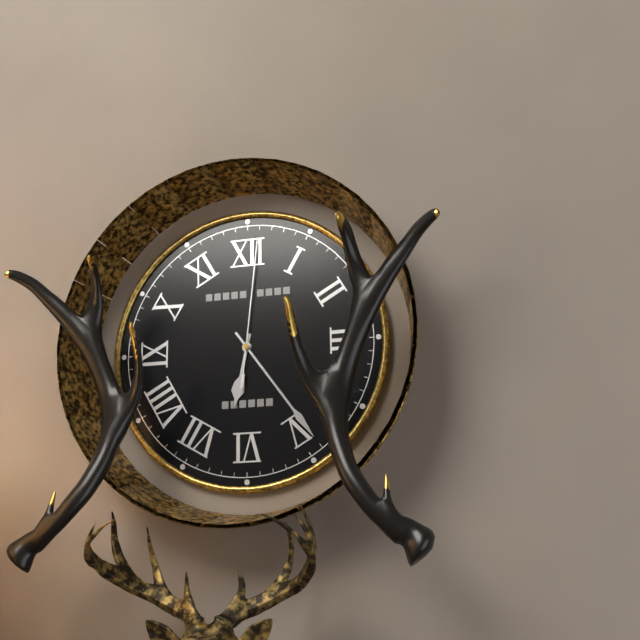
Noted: **6:24:01**
